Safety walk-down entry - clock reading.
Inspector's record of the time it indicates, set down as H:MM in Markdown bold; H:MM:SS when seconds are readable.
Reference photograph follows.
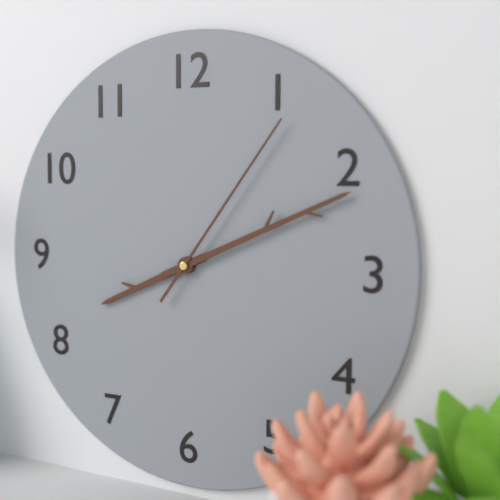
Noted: **8:11:06**
